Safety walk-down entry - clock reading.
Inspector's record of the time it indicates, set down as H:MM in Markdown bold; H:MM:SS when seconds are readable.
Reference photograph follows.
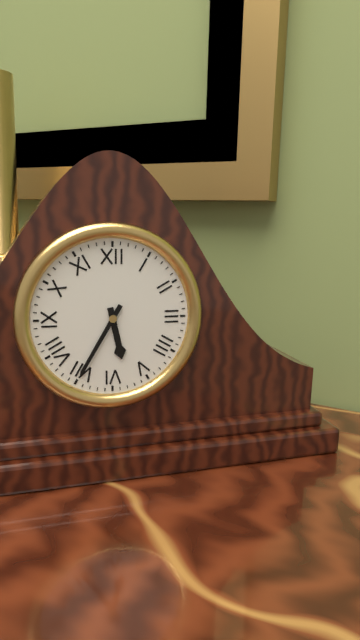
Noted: **5:35**
